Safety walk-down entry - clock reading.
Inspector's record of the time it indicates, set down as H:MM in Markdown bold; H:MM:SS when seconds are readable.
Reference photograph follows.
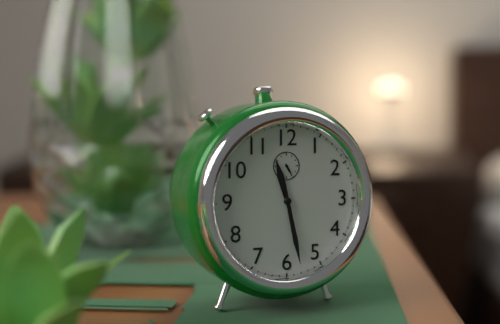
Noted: **11:28**
